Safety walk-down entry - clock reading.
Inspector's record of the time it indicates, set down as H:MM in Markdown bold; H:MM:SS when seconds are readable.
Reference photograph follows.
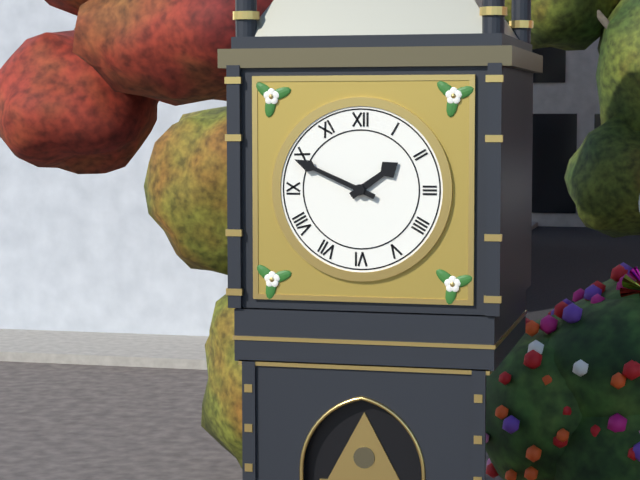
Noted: **1:49**
